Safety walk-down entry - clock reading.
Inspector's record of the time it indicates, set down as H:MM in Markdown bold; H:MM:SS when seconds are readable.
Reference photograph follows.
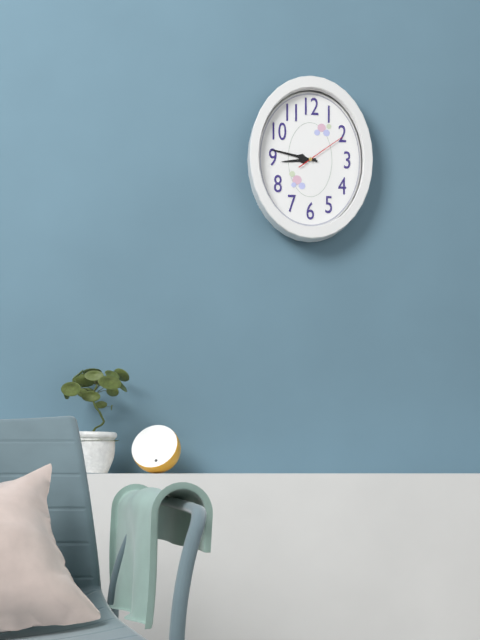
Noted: **8:47**
